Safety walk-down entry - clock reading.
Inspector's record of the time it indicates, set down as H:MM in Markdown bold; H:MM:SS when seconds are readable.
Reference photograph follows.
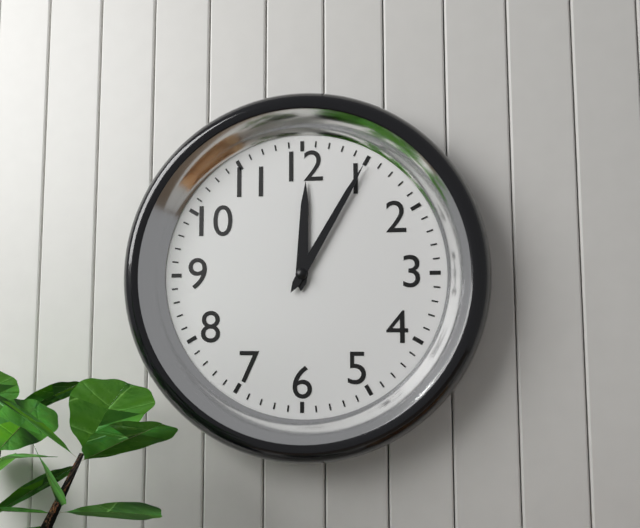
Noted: **12:05**
